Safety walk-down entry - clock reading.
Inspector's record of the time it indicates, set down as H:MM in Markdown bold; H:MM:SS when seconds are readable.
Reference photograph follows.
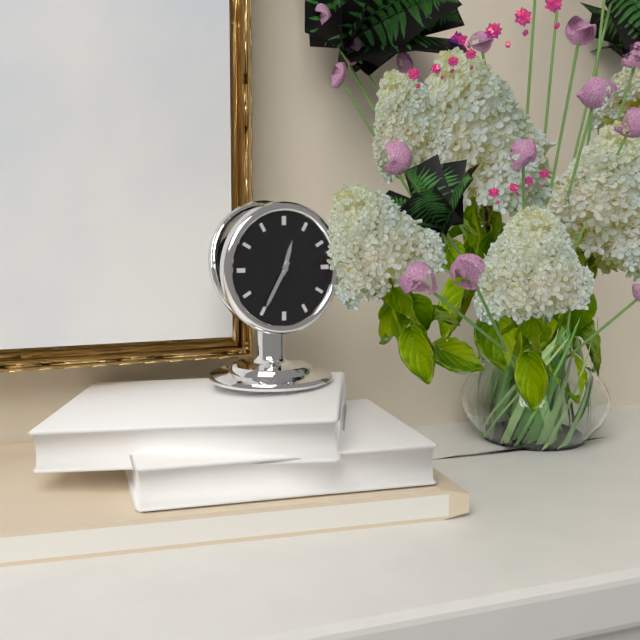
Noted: **12:35**
